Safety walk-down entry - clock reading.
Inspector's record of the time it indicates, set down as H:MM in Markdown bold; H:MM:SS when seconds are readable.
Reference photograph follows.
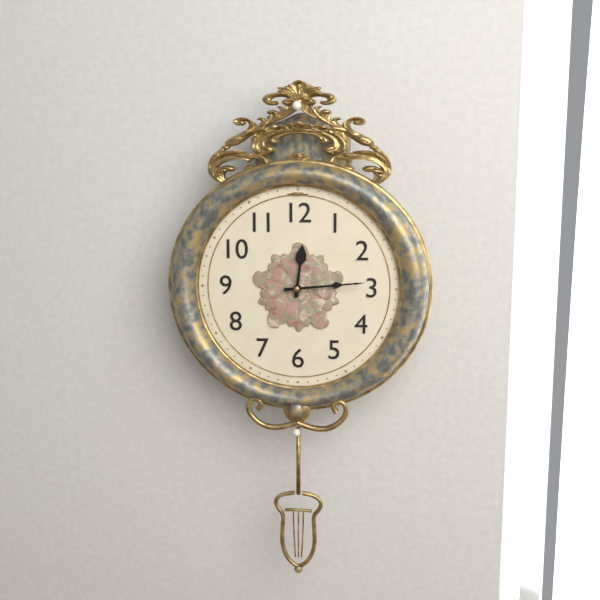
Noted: **12:14**
